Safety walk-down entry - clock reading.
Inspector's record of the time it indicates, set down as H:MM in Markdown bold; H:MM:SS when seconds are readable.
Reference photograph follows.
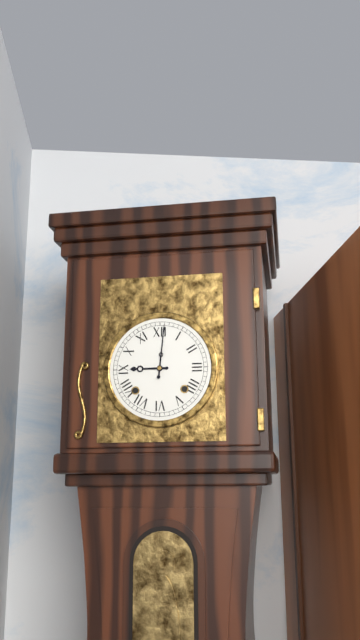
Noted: **9:01**
